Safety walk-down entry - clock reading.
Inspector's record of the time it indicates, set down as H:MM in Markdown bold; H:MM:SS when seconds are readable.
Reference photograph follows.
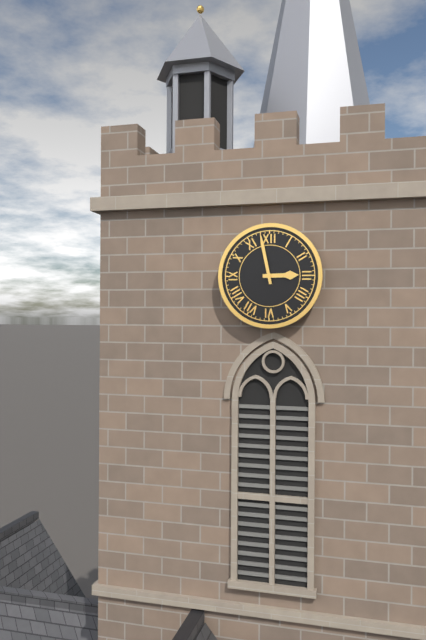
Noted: **2:58**
